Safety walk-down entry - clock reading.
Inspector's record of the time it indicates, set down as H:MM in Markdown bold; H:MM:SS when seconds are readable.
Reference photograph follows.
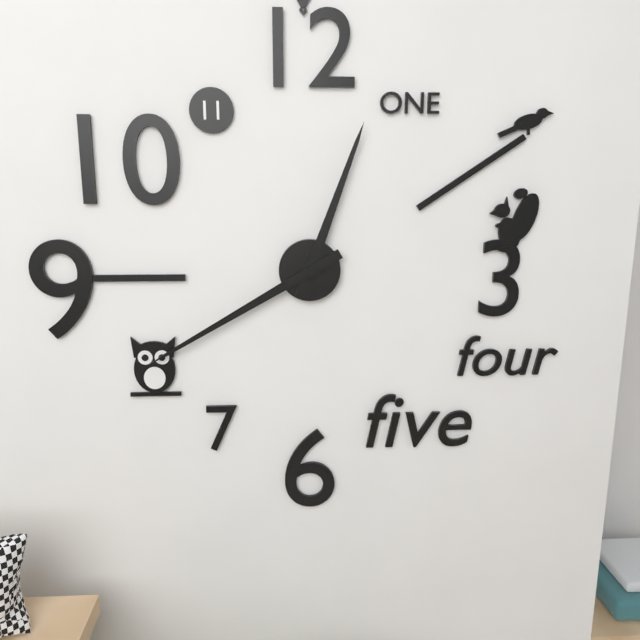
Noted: **12:40**
